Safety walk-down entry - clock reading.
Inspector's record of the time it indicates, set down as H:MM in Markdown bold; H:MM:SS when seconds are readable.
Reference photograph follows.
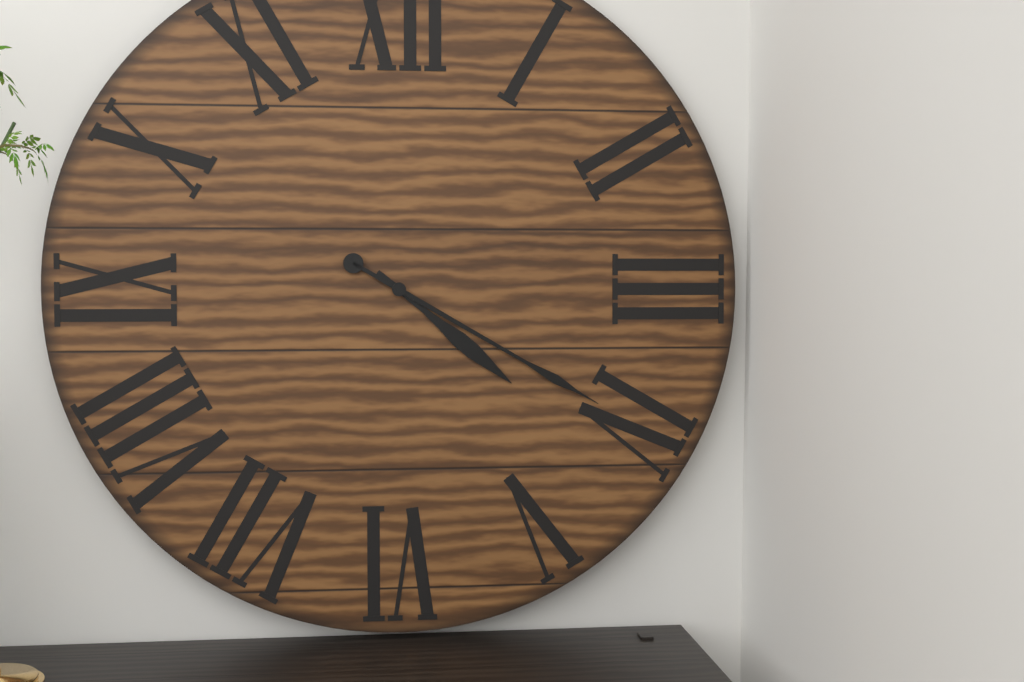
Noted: **4:20**
